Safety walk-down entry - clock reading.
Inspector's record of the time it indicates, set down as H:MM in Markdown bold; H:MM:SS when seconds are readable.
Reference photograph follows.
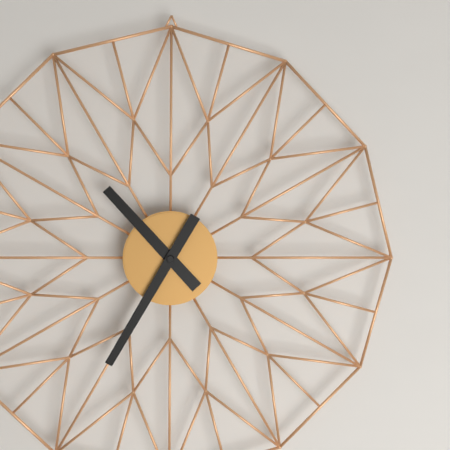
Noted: **10:35**
